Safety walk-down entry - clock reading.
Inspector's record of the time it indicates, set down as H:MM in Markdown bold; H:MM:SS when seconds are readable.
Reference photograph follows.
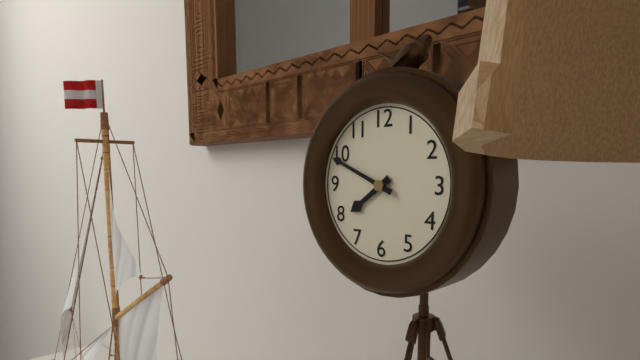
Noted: **7:49**
